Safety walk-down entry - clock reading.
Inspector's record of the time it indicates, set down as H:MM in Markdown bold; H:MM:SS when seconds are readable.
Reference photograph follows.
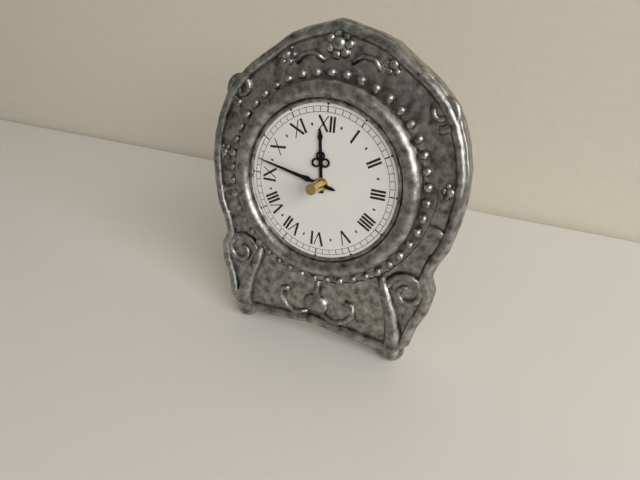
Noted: **11:47**
